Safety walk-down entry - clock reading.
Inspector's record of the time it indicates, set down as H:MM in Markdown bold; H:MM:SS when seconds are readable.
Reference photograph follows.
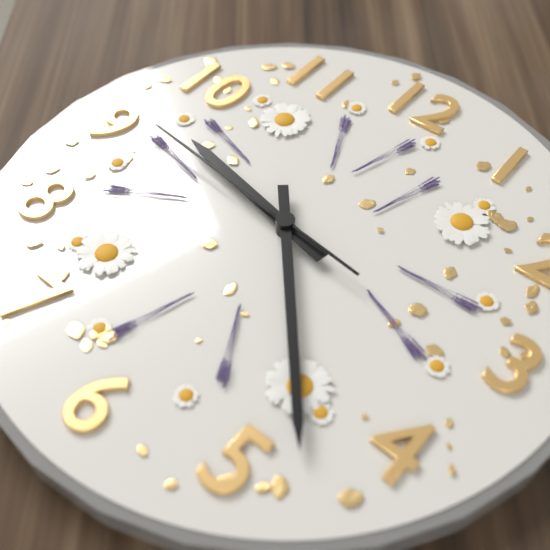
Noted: **9:23:46**
